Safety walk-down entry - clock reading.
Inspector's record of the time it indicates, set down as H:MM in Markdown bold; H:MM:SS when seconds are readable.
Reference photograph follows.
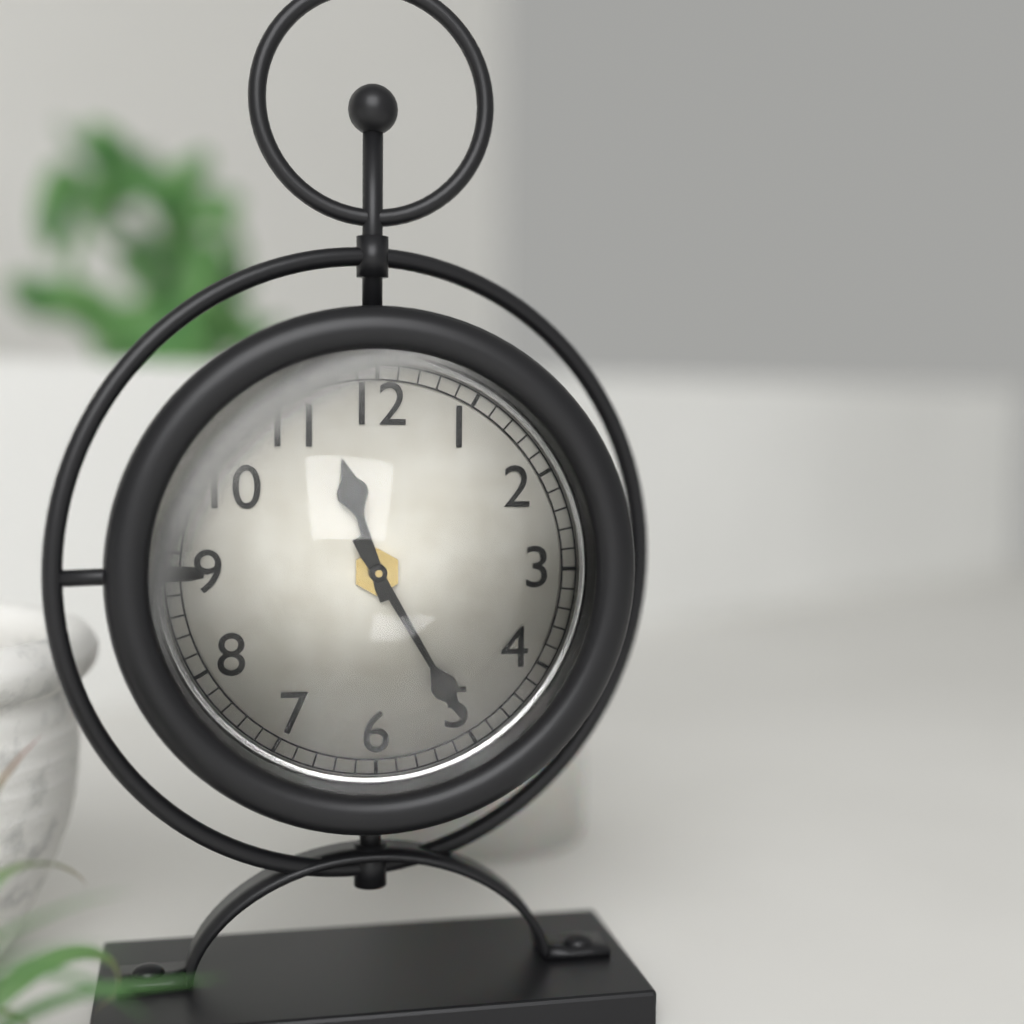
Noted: **11:25**
